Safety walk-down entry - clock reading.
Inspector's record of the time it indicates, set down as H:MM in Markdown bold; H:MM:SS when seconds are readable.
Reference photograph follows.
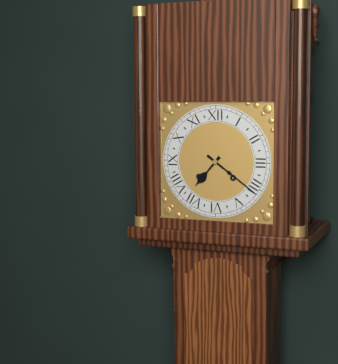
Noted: **7:21**
